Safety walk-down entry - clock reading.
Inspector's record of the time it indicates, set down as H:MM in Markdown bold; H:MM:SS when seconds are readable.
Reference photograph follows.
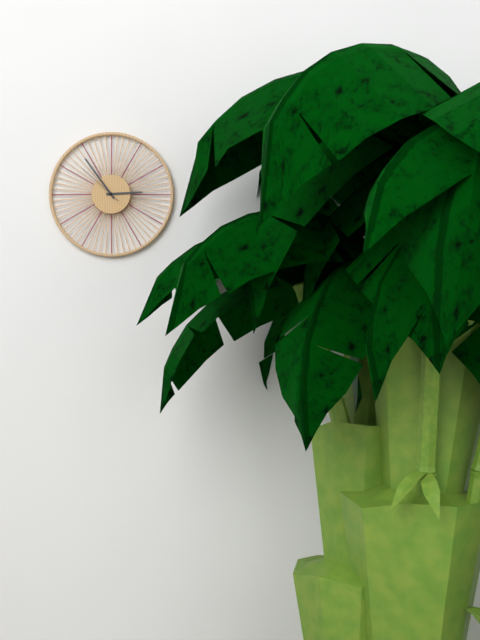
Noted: **2:54:52**
